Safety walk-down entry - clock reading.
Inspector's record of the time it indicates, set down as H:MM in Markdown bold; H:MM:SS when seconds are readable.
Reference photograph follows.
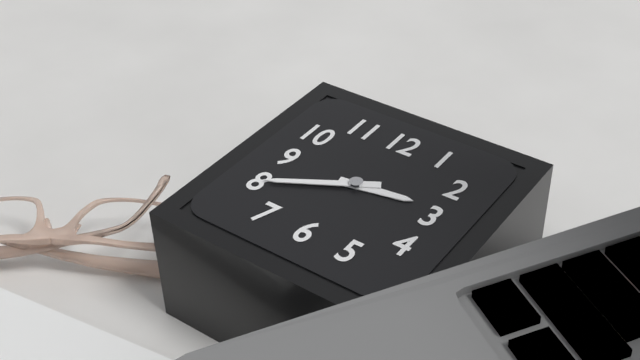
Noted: **2:40**
